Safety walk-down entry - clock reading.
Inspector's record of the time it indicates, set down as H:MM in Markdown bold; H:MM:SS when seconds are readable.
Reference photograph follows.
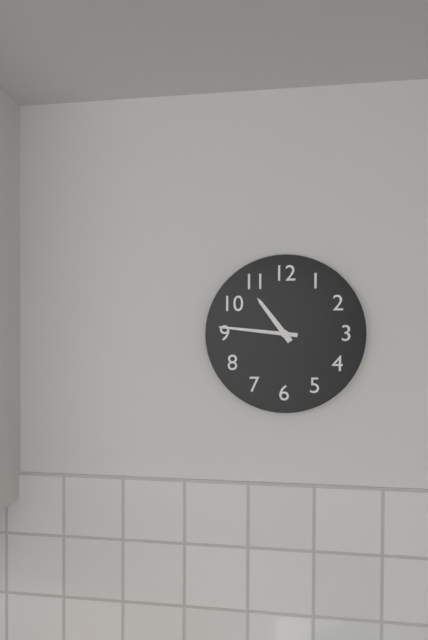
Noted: **10:46**
